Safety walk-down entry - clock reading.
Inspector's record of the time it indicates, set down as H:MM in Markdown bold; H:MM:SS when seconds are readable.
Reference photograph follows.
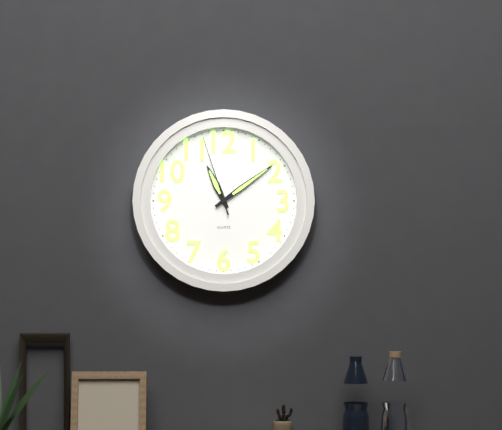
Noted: **11:09:57**
